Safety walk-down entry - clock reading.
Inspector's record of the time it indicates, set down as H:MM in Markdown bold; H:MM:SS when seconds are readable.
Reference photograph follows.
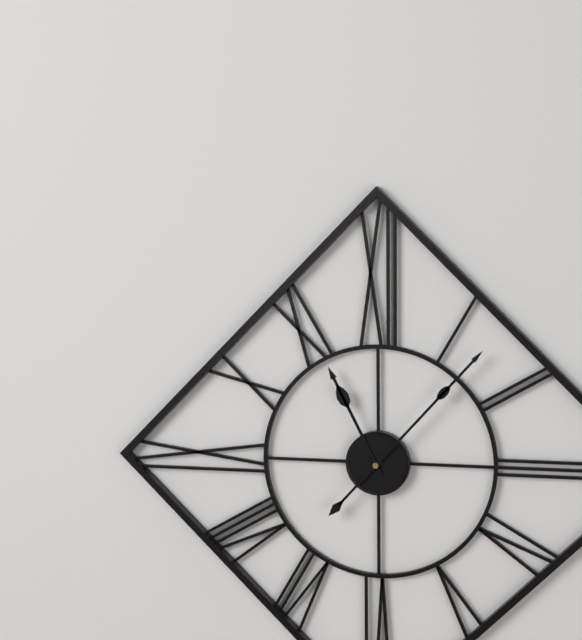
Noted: **11:07**
